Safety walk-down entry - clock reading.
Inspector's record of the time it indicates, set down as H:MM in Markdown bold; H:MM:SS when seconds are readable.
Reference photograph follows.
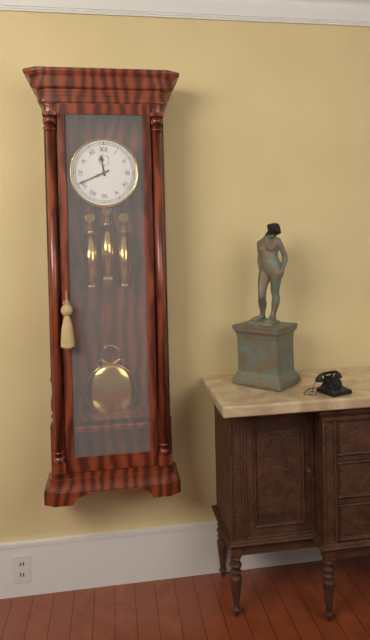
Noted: **11:41**
